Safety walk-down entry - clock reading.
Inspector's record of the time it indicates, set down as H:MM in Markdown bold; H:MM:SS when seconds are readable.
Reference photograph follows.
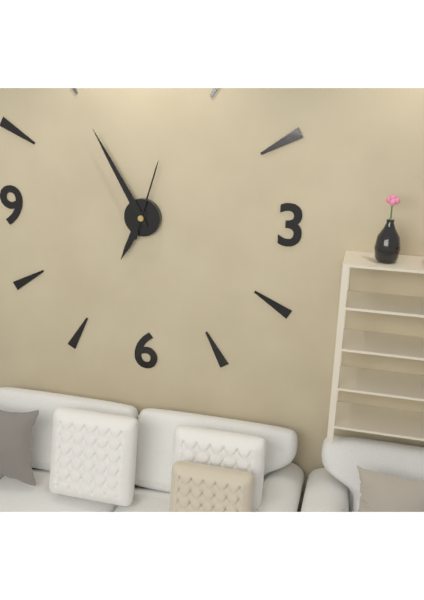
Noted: **6:55:03**
